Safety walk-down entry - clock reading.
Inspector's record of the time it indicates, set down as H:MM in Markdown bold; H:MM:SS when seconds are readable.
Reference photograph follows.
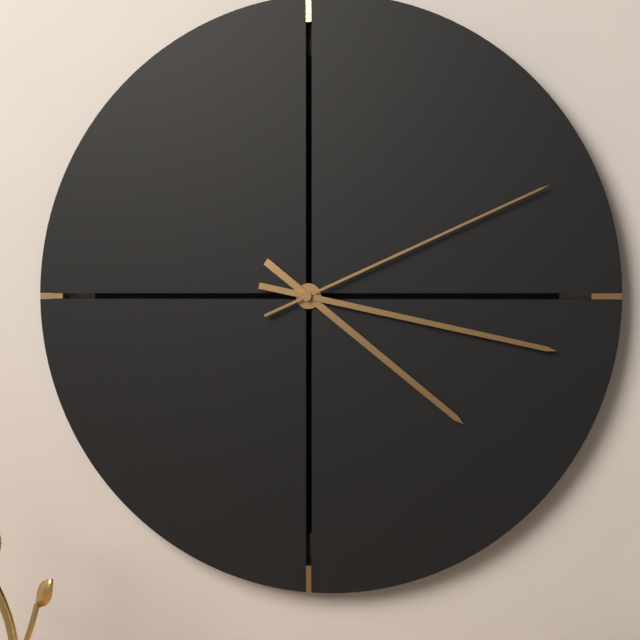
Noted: **4:17:11**
